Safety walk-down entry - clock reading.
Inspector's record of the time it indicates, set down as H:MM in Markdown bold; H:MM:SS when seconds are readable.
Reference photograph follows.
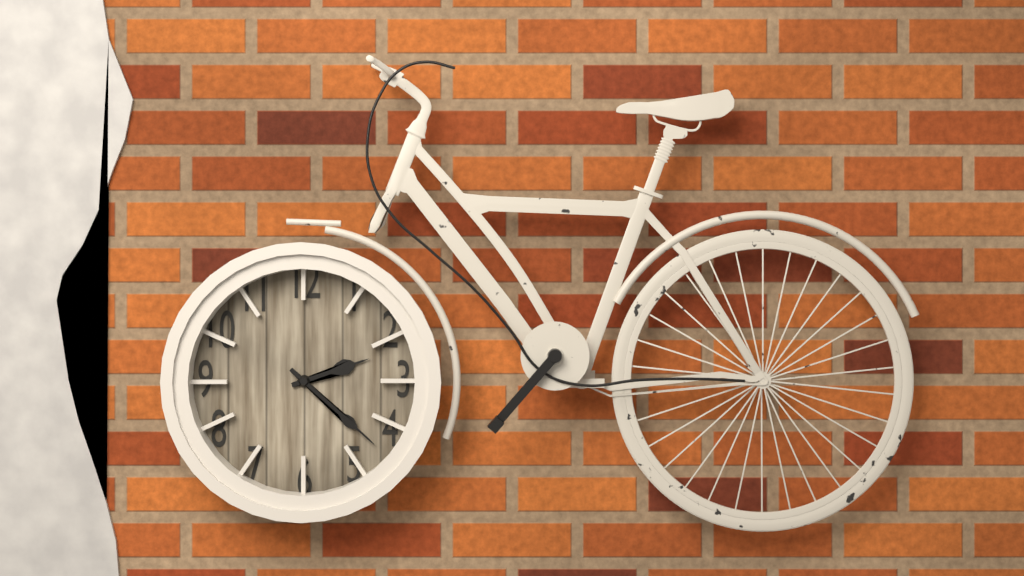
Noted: **2:22**
